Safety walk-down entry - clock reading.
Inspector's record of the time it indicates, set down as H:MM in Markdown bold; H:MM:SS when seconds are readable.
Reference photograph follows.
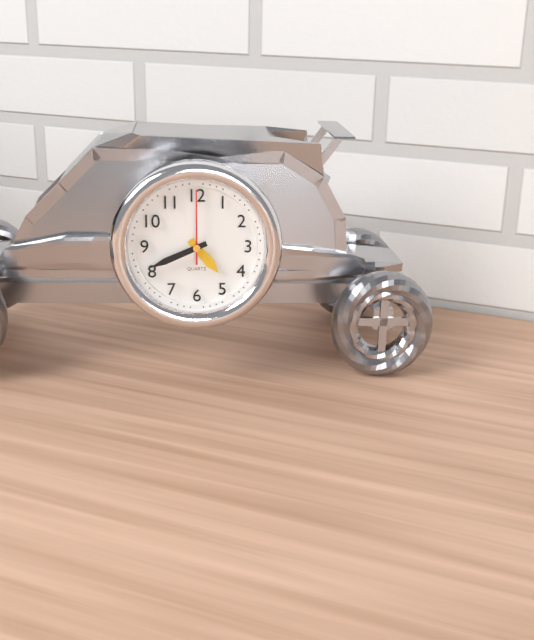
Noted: **4:41:00**
